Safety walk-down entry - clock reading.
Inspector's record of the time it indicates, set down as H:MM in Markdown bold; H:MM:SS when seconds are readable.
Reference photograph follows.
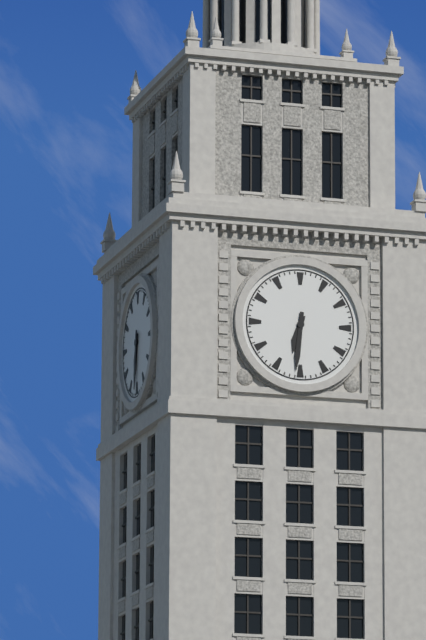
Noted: **6:31**
